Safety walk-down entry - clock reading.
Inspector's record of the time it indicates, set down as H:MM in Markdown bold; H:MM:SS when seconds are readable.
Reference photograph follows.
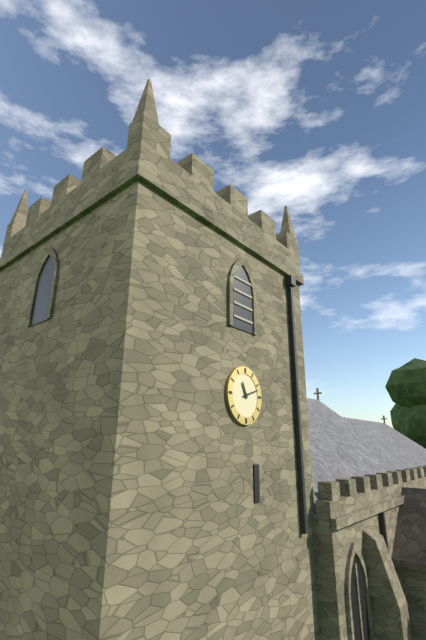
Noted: **11:12**
